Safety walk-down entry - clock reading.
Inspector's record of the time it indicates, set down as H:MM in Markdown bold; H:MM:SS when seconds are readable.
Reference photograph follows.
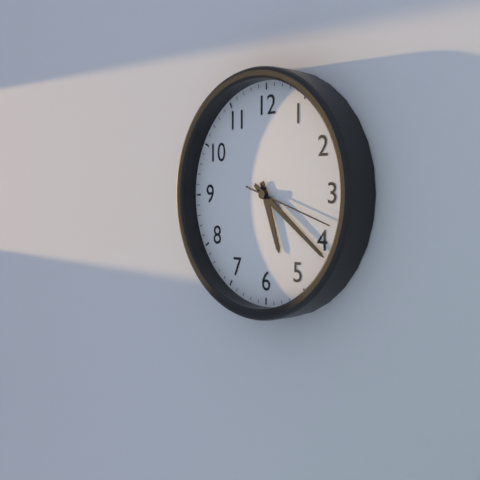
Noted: **5:21:18**
